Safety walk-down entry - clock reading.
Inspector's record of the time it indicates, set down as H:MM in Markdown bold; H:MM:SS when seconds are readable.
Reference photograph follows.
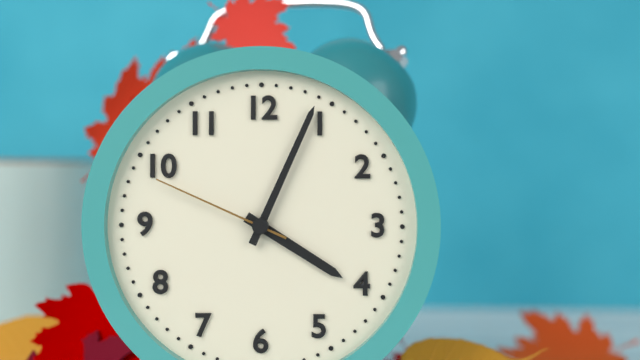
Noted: **4:04:49**
